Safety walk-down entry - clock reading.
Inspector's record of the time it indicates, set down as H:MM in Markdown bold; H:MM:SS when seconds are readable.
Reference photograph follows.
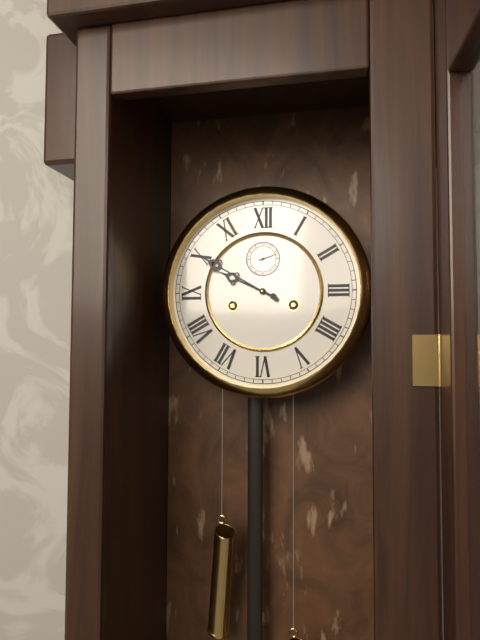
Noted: **9:50**
